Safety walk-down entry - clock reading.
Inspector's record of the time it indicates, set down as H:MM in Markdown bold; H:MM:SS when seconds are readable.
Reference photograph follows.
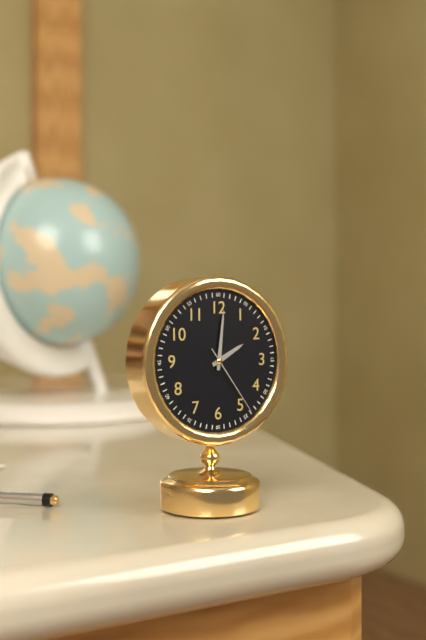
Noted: **2:01:24**
